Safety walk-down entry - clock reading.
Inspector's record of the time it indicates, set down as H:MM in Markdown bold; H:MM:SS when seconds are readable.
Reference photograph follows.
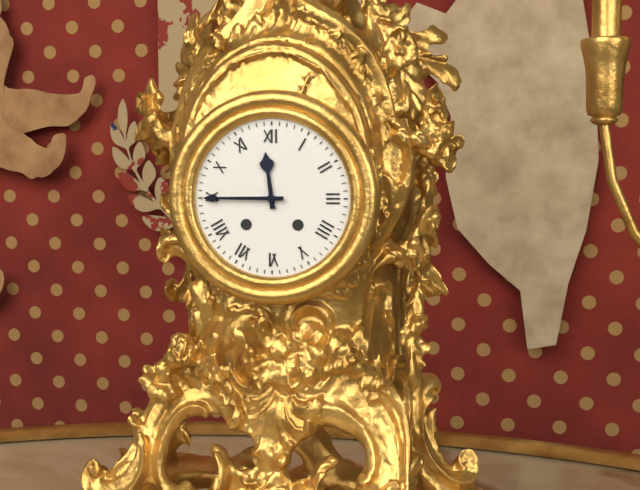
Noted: **11:45**
